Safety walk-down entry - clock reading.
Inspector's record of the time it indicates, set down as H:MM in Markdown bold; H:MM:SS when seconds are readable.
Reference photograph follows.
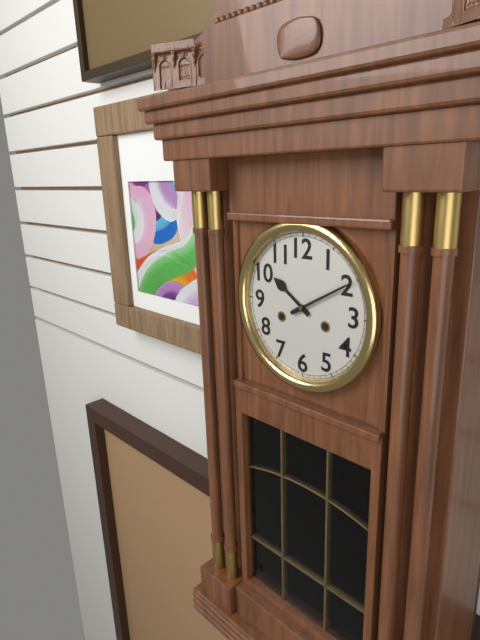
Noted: **10:10**
